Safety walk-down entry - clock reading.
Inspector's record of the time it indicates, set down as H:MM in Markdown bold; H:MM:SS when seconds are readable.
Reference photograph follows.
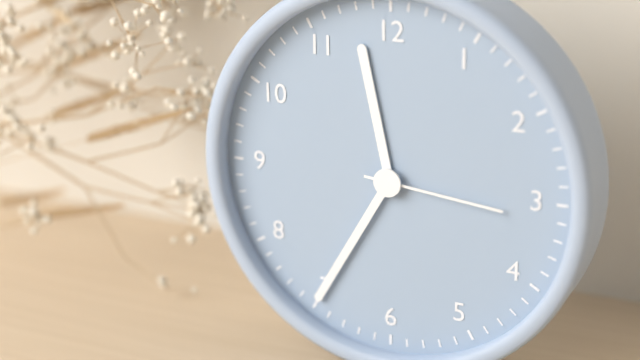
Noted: **11:35:16**
